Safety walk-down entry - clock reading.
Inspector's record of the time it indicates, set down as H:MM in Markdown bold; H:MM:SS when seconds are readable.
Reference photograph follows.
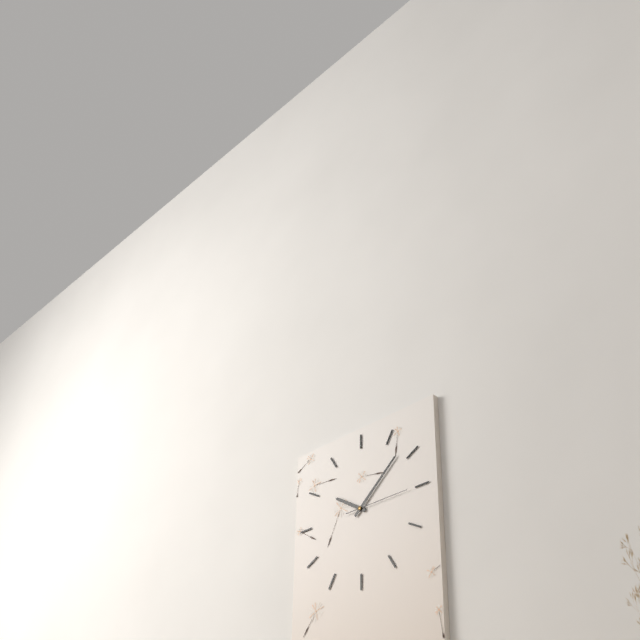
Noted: **10:08:15**
